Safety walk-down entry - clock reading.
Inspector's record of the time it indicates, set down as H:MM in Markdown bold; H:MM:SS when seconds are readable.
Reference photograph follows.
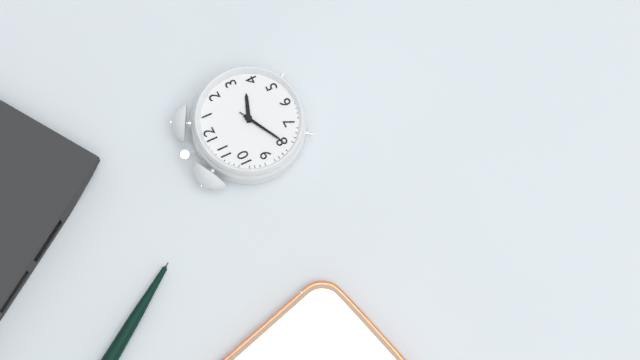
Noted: **3:40:40**
